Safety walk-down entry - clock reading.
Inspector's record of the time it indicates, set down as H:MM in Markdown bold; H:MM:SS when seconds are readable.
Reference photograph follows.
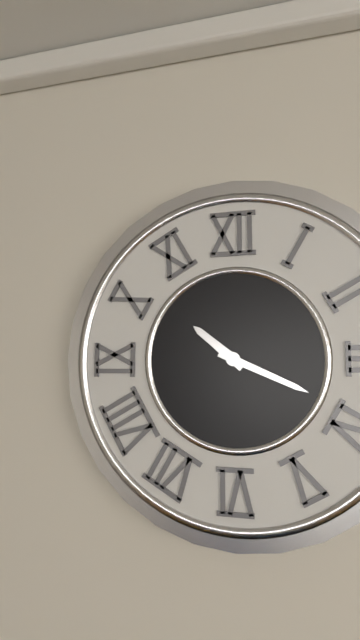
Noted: **10:19**
